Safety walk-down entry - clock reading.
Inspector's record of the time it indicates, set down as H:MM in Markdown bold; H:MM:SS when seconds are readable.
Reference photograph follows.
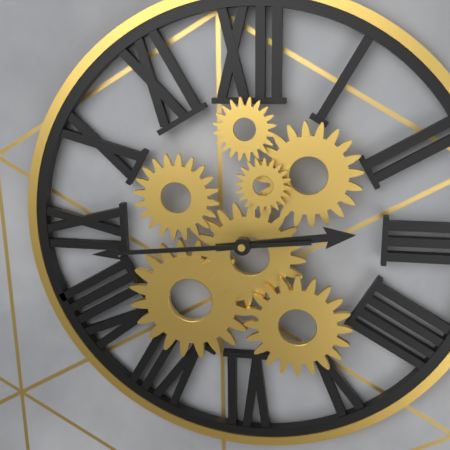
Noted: **2:44**
